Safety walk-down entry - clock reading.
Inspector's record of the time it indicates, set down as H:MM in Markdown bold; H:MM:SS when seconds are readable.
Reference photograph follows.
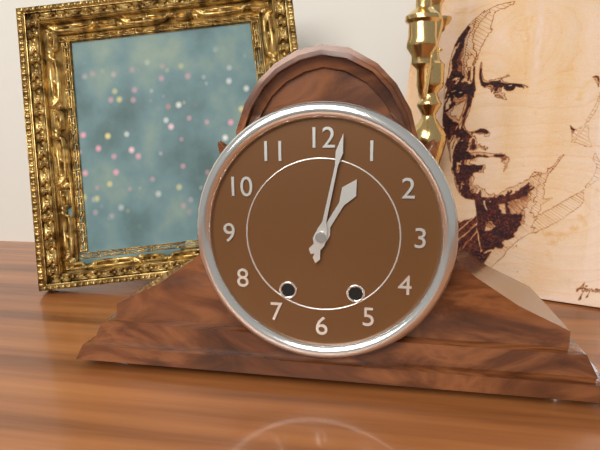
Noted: **1:02**
